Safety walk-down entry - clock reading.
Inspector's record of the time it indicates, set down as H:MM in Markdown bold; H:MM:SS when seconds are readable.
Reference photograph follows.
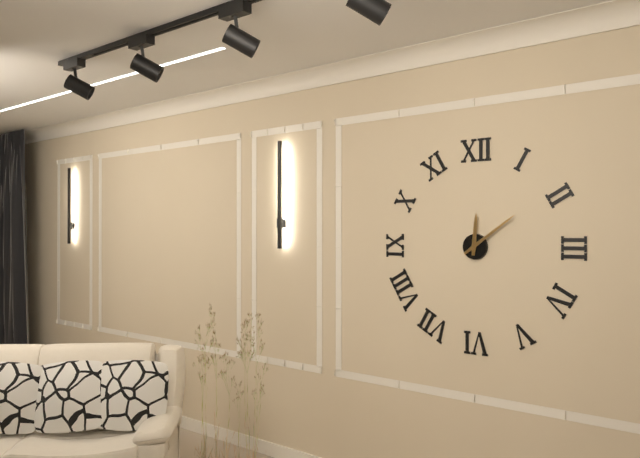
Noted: **12:09**
